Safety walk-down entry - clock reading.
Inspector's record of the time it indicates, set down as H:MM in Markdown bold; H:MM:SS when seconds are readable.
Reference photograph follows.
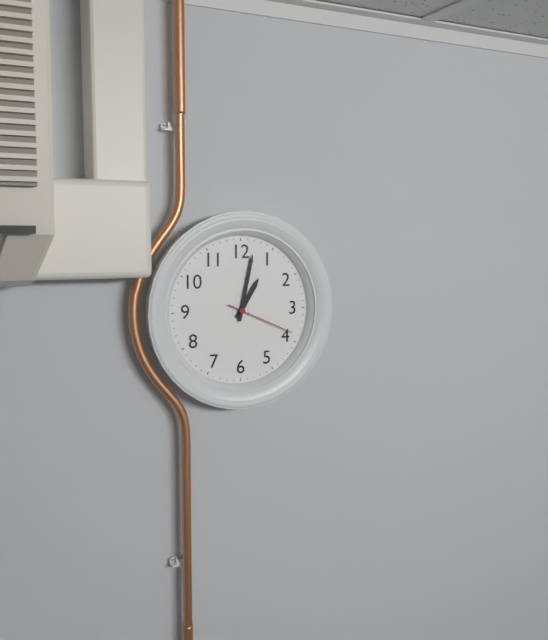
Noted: **1:02:19**
